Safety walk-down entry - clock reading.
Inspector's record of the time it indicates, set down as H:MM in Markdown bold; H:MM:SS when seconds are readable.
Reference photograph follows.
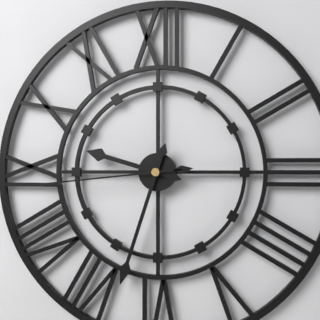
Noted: **9:33:44**
